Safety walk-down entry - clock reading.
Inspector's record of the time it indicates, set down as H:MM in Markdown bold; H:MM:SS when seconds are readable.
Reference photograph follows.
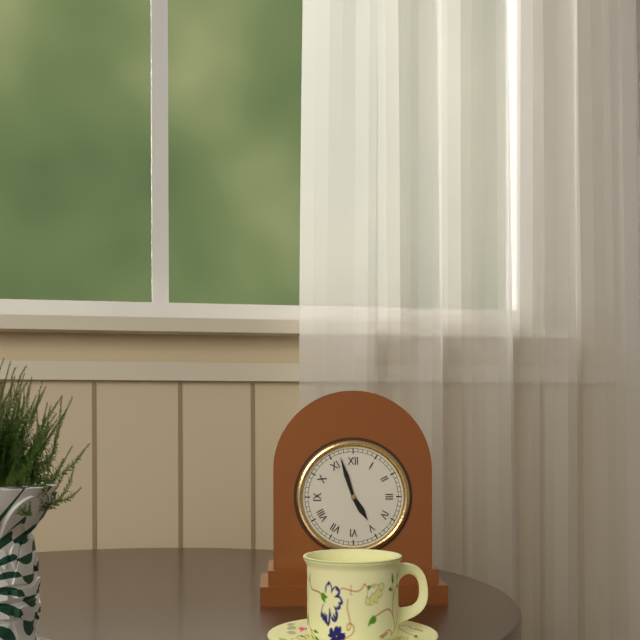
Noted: **4:57**
